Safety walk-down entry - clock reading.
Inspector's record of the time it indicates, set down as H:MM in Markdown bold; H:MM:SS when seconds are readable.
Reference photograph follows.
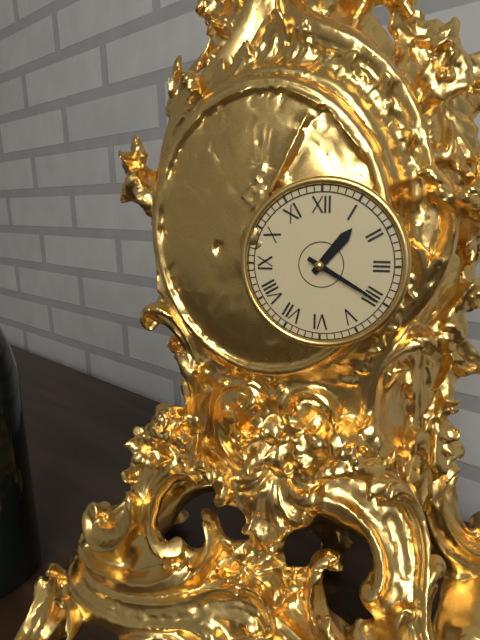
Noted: **1:20**
